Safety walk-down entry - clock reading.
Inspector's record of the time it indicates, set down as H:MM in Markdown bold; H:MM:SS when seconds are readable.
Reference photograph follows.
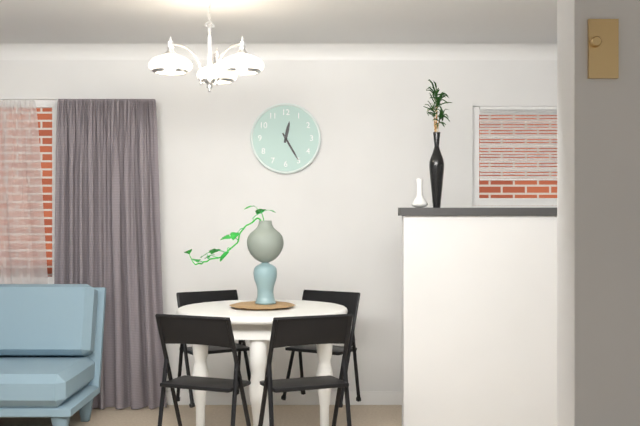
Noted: **12:25**
